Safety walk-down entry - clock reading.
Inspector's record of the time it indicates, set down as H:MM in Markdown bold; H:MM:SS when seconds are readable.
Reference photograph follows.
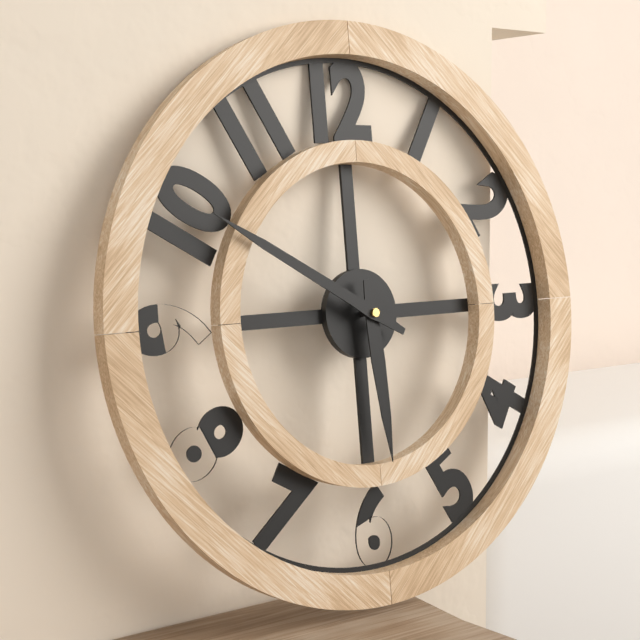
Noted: **5:50**
